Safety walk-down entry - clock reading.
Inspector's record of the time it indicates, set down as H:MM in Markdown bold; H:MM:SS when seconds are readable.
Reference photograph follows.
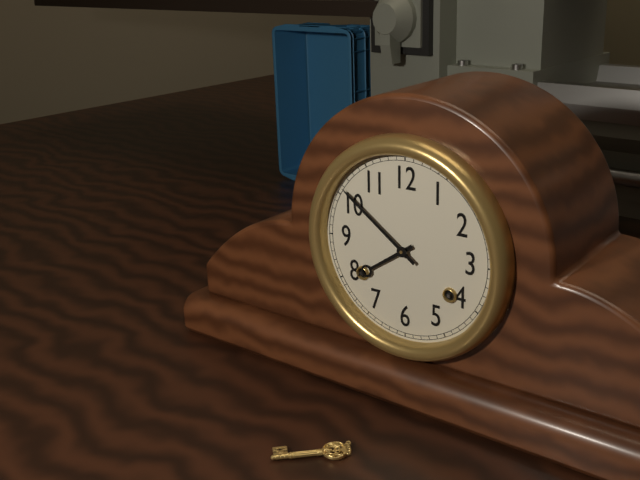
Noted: **7:51**
